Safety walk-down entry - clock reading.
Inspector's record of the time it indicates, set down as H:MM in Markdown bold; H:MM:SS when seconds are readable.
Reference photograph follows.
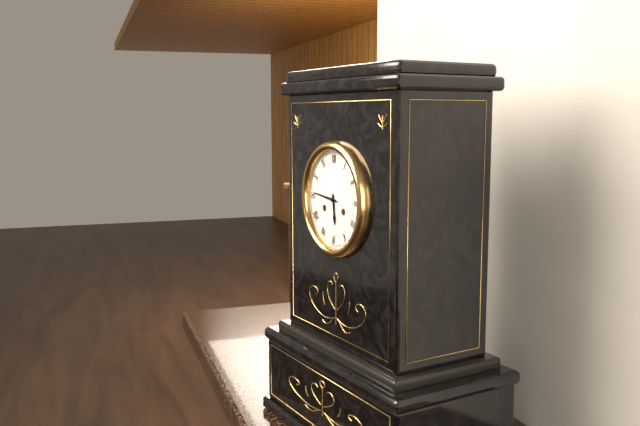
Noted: **5:46**
